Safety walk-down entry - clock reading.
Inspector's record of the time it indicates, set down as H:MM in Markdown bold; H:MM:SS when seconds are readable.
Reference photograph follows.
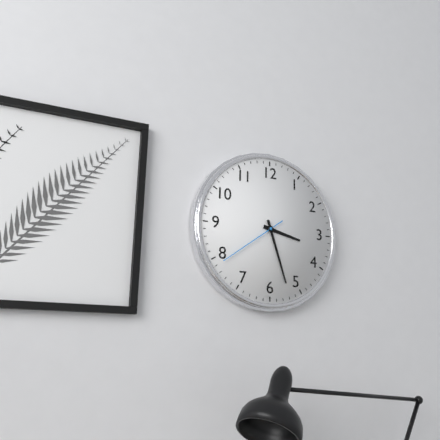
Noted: **3:27:39**
